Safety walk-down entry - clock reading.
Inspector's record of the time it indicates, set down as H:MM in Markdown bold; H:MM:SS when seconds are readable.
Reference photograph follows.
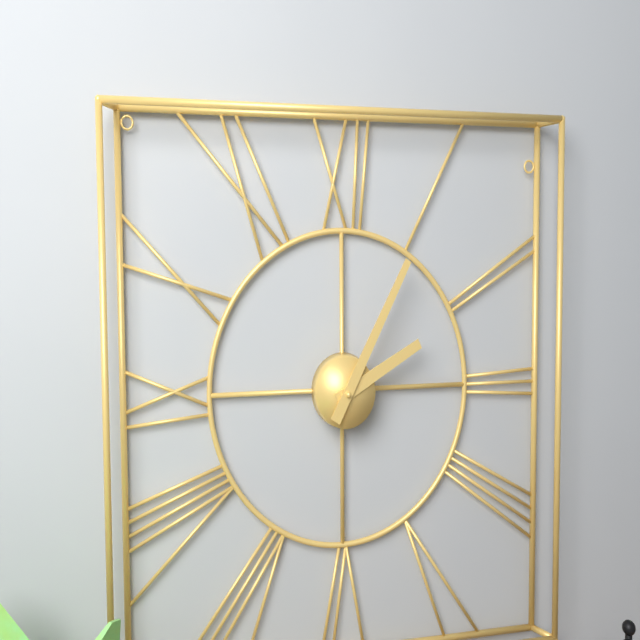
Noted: **2:05**
